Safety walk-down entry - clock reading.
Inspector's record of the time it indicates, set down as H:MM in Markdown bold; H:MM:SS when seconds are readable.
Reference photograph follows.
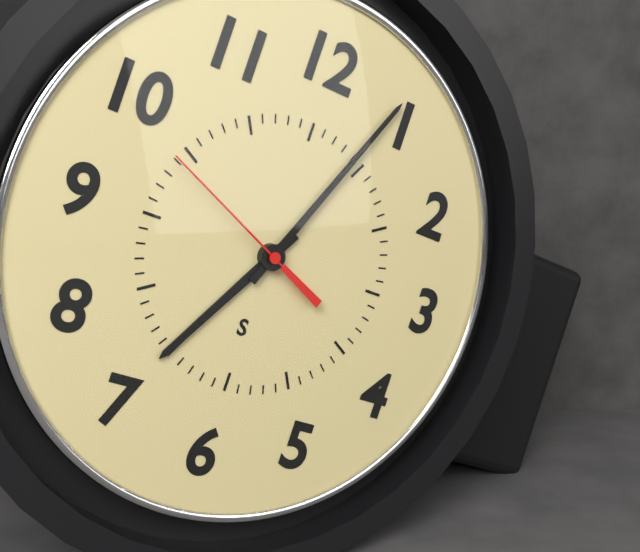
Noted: **7:04:49**
